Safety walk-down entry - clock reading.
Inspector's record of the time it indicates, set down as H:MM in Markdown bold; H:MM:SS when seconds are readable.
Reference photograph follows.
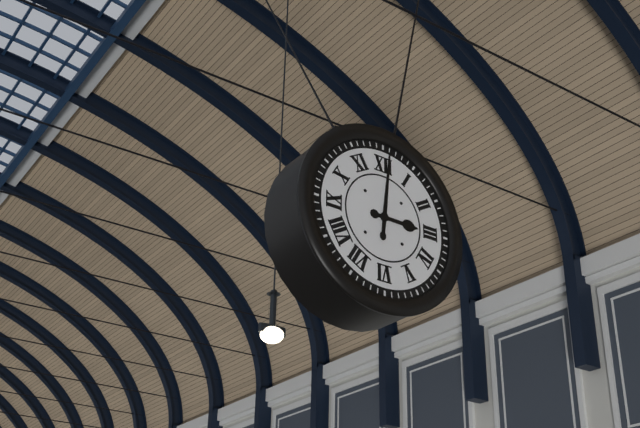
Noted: **3:01**
